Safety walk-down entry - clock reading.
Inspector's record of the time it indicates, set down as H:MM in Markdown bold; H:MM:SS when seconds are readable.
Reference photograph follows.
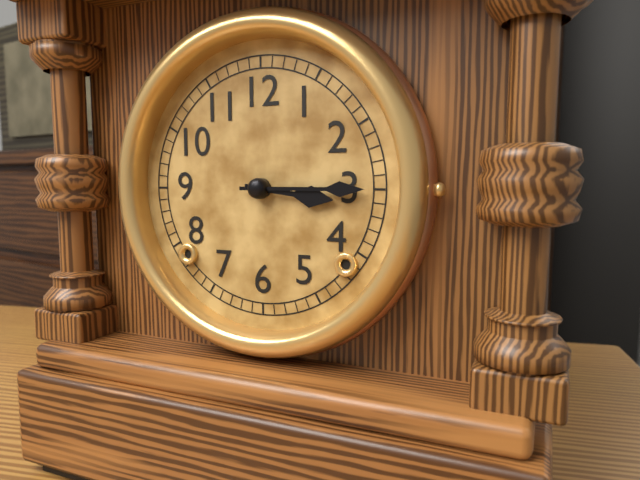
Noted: **3:15**
